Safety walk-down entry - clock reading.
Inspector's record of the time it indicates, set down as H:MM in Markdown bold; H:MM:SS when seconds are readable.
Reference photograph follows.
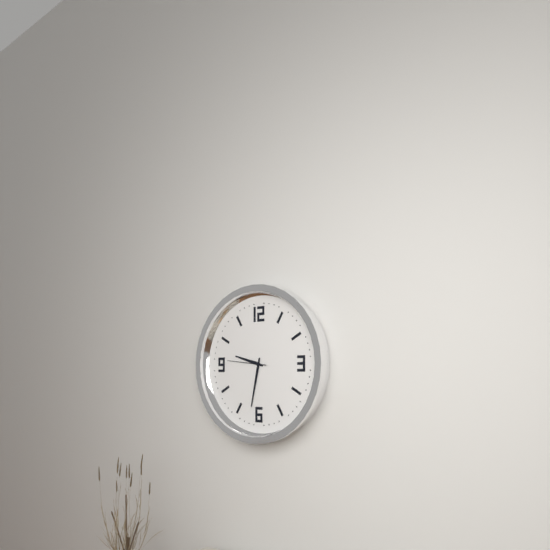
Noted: **9:32**
